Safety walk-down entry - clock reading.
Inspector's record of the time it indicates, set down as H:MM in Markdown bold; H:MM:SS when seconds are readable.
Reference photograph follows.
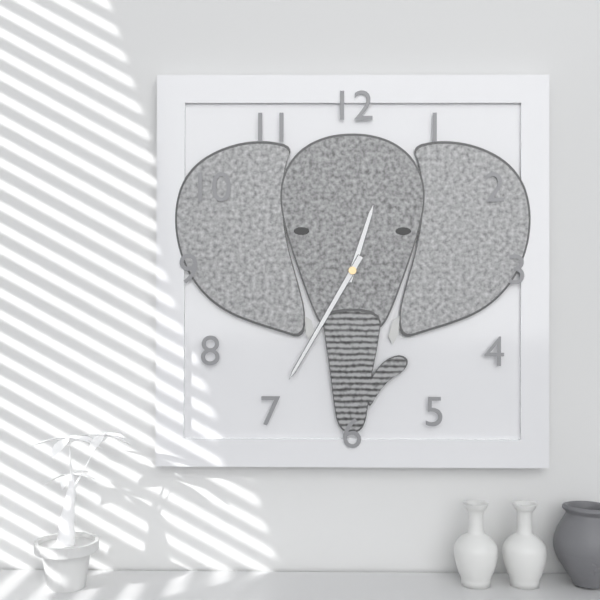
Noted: **12:35**
